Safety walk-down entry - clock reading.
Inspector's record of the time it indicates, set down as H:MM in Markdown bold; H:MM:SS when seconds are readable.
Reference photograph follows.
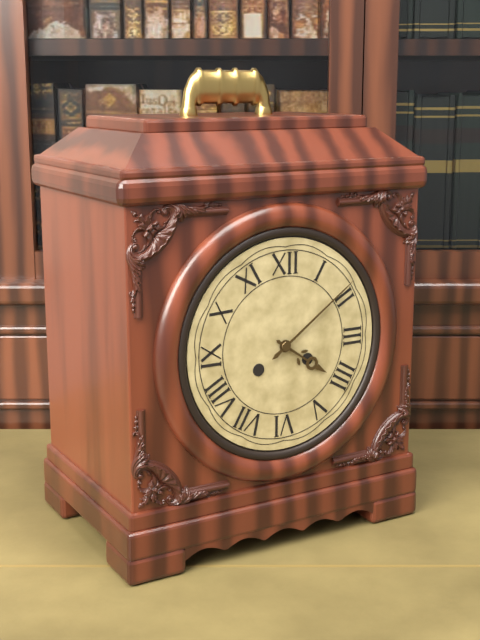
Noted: **4:09**
